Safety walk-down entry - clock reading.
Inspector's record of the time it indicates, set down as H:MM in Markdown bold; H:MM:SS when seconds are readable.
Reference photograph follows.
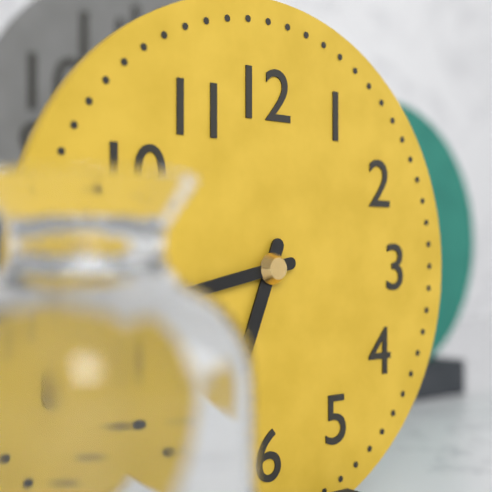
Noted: **6:43**
